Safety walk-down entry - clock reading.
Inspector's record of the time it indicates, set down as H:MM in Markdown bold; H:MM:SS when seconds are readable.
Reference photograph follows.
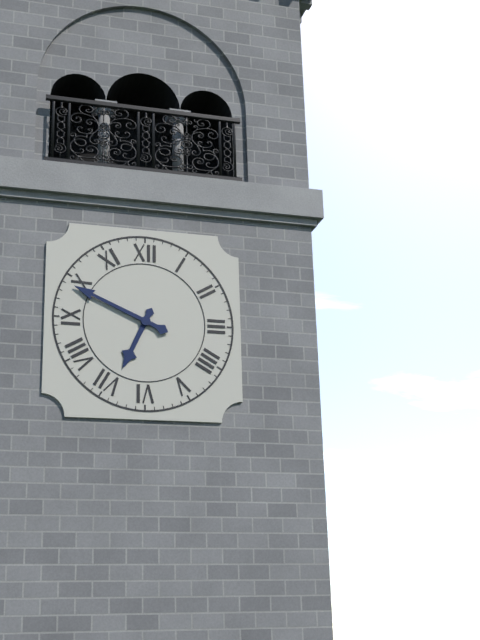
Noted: **6:49**
